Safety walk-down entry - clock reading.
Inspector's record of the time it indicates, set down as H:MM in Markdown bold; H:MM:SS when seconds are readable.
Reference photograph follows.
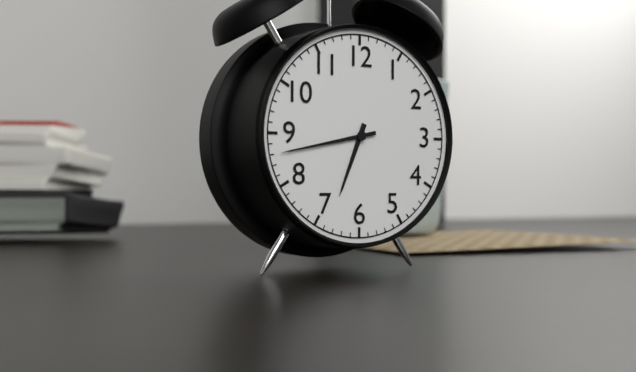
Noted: **6:43**
